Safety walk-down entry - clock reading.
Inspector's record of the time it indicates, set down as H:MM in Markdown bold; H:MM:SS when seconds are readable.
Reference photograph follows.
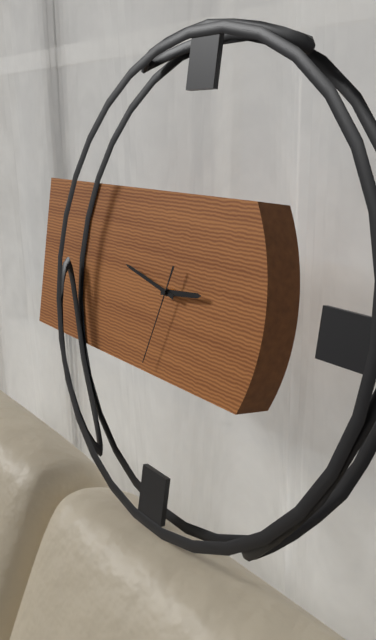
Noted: **2:47:33**
